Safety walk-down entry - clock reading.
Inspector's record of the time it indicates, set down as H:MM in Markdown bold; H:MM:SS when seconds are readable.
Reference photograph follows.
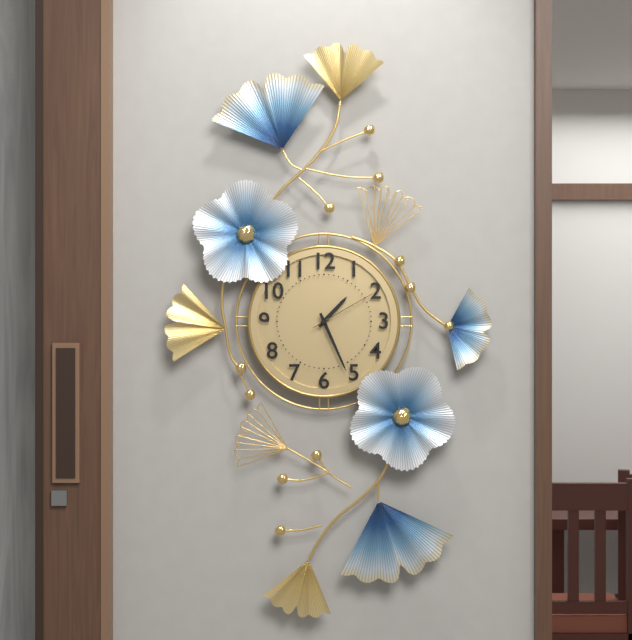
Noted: **1:26:10**
